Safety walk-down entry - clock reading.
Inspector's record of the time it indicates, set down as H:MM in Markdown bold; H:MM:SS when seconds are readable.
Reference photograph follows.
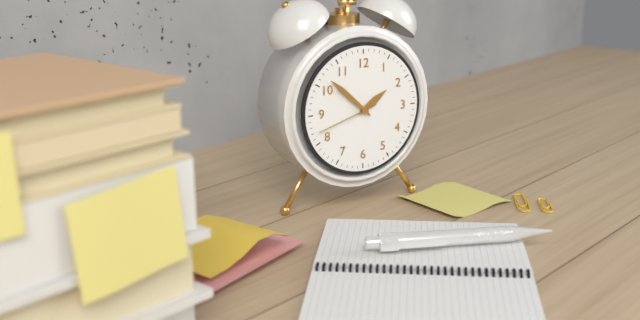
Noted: **1:52:42**
